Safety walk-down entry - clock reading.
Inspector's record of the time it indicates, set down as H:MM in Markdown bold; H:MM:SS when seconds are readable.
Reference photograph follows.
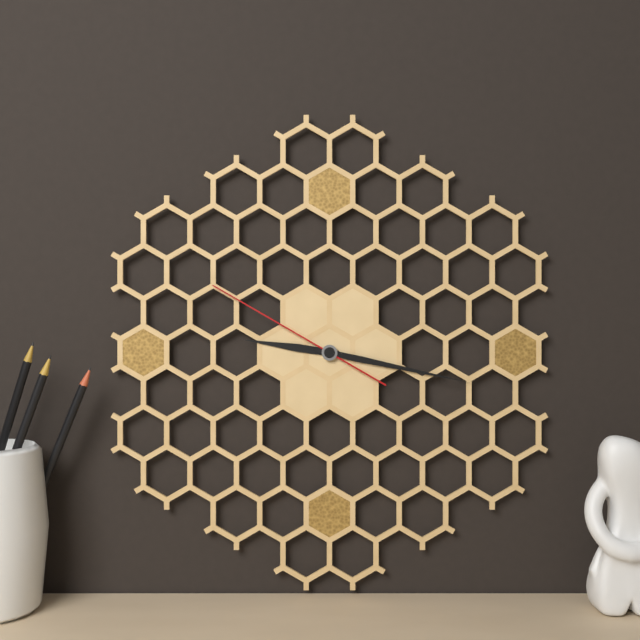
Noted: **9:17:50**
